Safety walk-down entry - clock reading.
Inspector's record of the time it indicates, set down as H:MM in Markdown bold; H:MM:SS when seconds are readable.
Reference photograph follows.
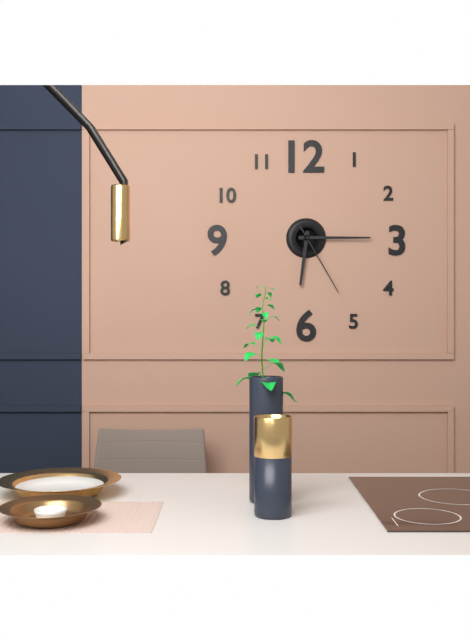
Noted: **6:15:25**
